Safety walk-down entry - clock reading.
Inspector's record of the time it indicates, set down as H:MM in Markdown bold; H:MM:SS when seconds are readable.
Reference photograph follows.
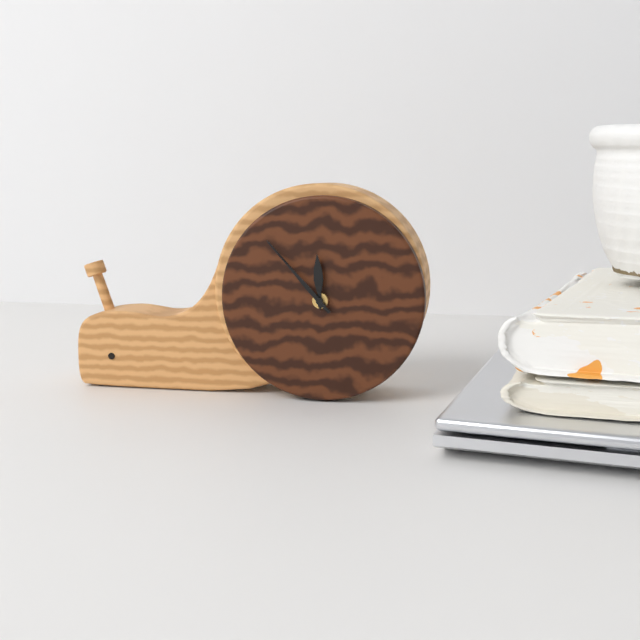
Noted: **11:53:53**
